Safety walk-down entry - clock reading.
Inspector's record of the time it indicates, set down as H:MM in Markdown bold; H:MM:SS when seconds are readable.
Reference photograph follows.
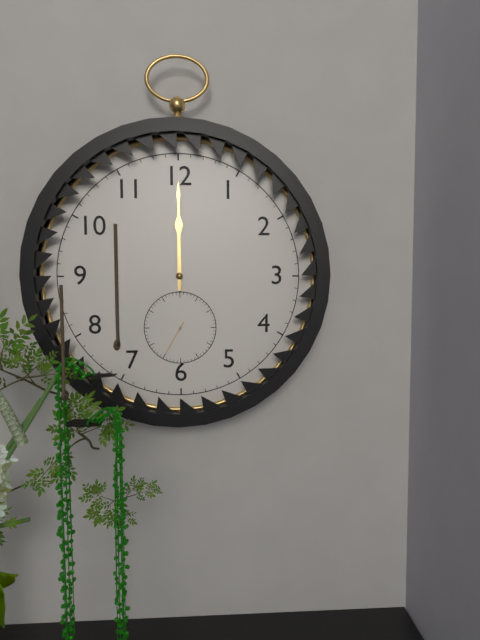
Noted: **12:00**
